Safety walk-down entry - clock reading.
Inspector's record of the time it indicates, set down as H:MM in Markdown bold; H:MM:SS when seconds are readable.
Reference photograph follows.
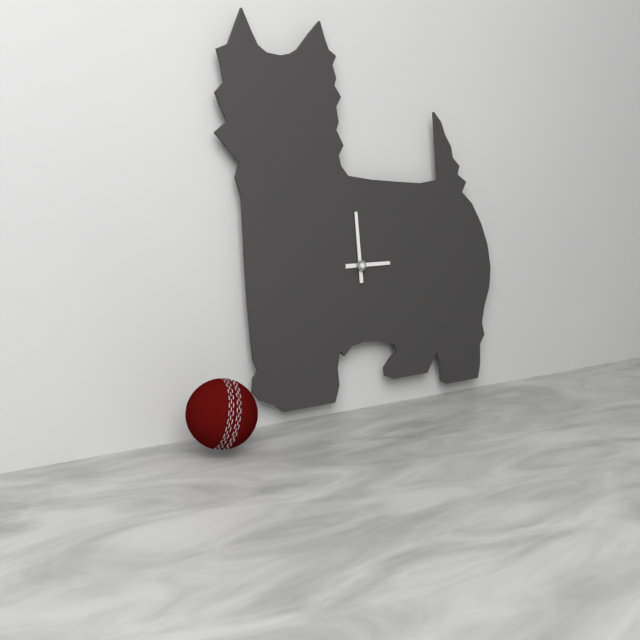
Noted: **2:59**
